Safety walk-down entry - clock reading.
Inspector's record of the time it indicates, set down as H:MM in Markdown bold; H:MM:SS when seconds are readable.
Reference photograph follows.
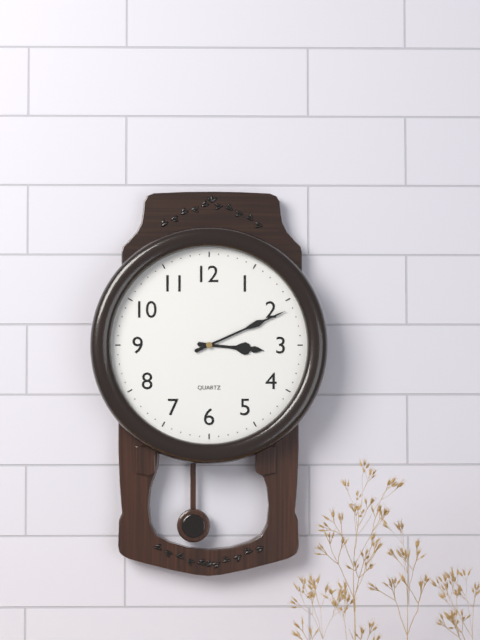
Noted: **3:11**
